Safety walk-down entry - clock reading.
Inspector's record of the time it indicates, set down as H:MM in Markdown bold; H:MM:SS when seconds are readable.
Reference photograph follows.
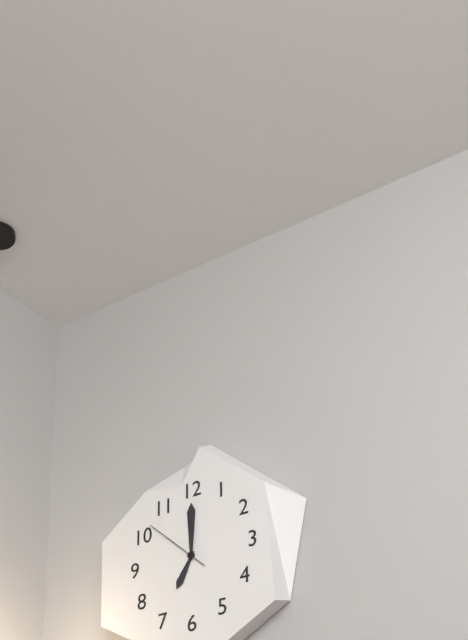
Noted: **7:00:52**
